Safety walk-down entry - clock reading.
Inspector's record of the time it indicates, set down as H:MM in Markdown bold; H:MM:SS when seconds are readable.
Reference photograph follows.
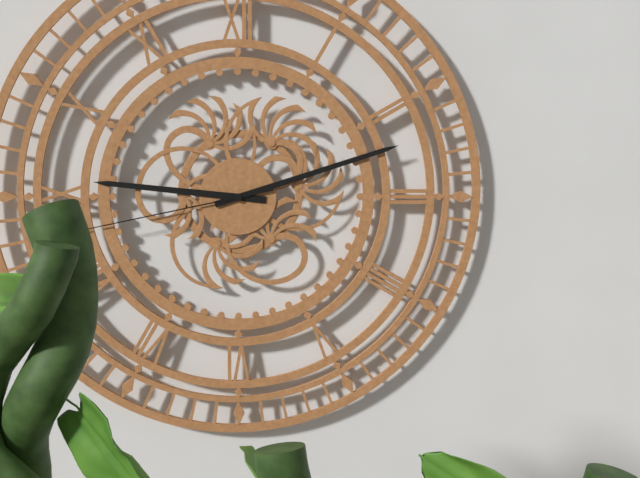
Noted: **9:12:43**
